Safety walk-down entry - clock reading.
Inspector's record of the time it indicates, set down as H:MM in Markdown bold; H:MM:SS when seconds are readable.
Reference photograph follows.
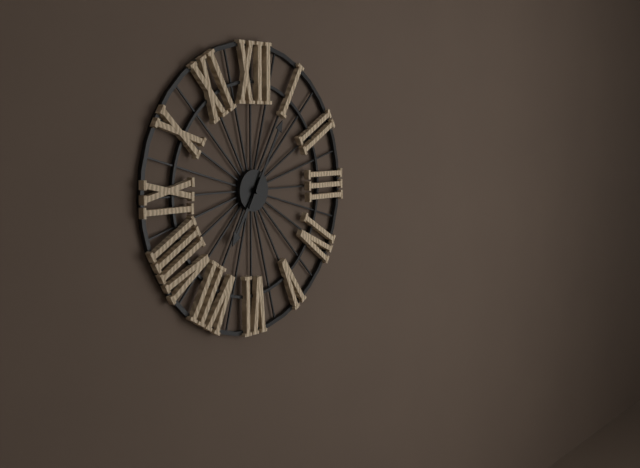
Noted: **7:05**
